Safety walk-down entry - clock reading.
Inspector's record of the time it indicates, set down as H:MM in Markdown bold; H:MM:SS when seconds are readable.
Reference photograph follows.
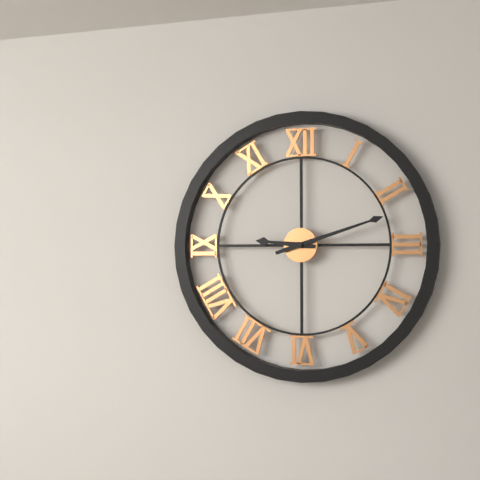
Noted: **9:12**
